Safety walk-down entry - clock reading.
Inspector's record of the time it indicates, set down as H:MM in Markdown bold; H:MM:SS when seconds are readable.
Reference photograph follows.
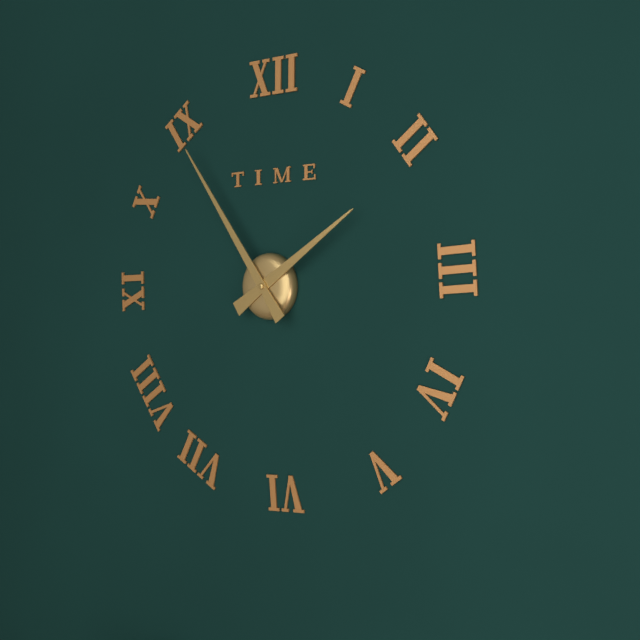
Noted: **1:54**
